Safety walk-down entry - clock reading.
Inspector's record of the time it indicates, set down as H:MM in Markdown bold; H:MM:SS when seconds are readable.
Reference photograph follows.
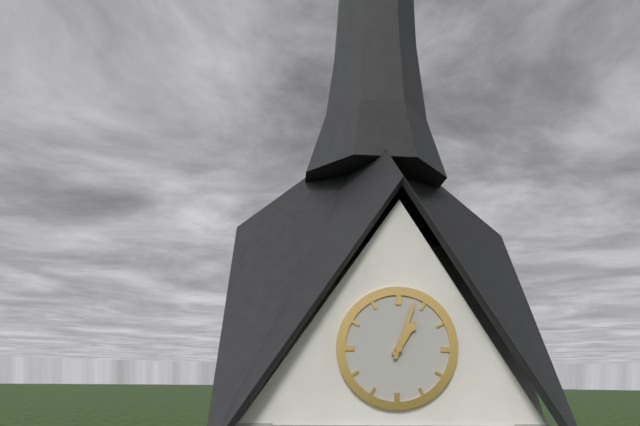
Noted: **1:03**
